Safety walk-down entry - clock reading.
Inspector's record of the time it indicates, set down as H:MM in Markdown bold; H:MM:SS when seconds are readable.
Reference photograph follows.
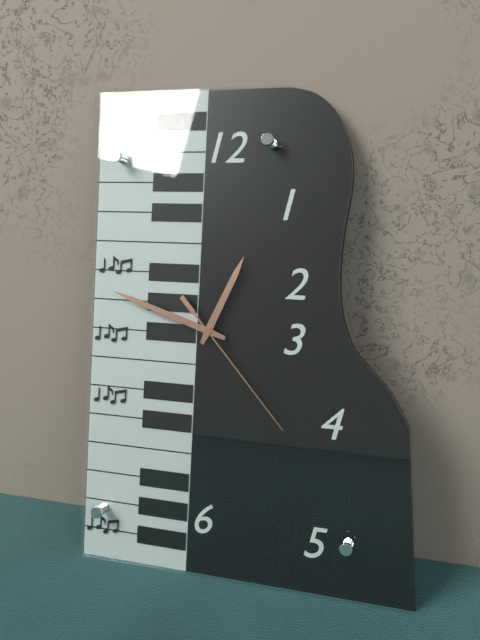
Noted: **12:48:23**
